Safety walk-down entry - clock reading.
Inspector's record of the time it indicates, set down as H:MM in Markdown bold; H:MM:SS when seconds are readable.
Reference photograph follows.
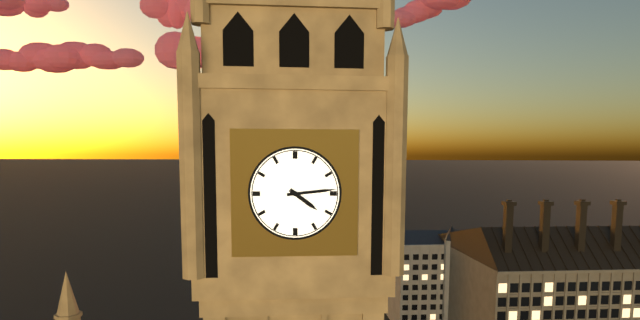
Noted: **4:14**
